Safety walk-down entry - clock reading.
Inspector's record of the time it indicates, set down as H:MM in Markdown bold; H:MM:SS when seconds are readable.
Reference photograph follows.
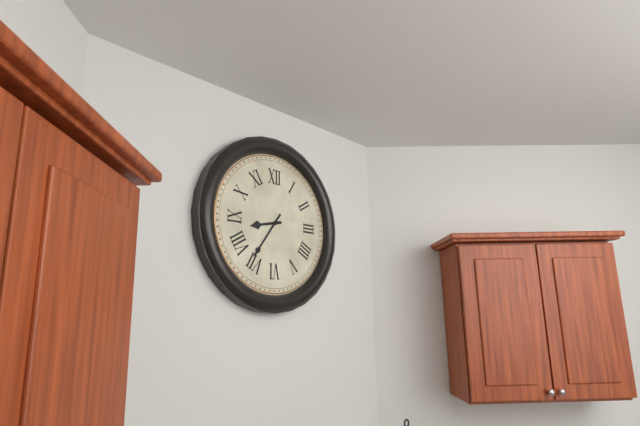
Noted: **8:36**
